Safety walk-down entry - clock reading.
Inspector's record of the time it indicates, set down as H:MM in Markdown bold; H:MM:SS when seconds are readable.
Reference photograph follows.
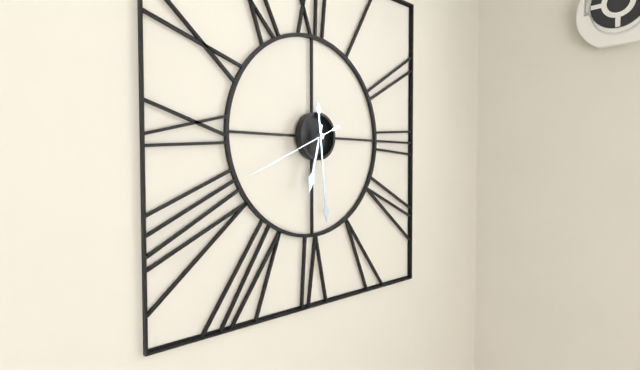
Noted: **6:29:41**
